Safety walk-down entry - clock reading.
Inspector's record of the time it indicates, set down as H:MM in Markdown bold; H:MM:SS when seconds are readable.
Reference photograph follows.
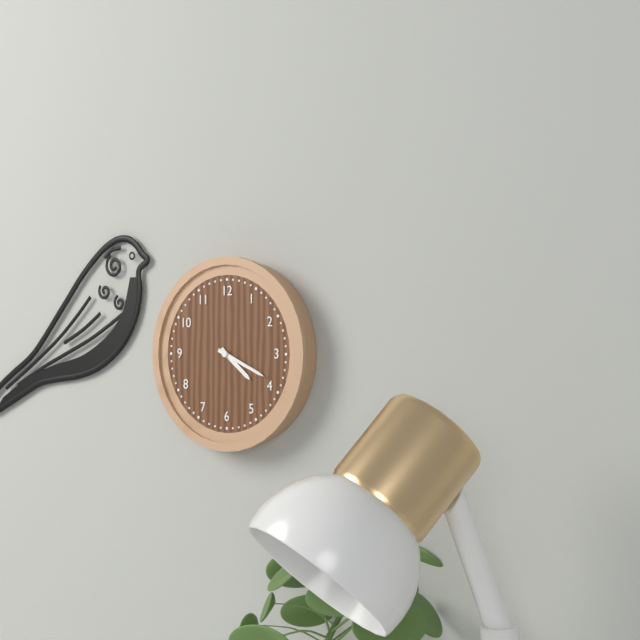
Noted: **4:19**
